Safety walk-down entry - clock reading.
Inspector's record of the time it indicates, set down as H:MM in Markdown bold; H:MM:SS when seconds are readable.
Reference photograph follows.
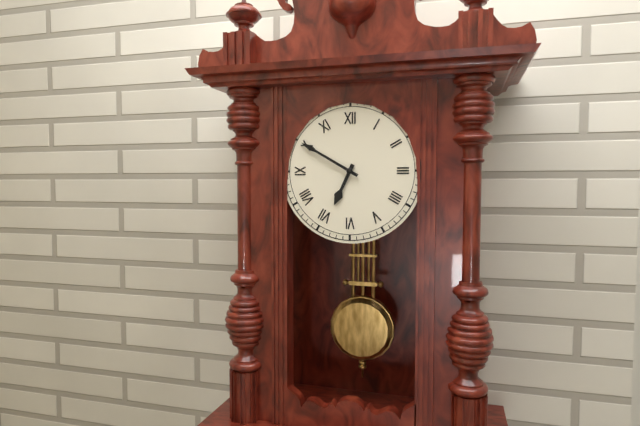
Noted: **6:50**
